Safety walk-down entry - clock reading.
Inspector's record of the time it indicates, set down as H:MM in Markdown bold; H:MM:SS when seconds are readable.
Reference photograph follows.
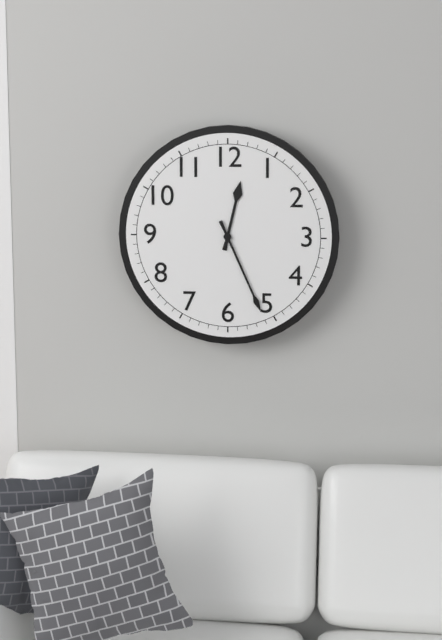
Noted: **12:26**
